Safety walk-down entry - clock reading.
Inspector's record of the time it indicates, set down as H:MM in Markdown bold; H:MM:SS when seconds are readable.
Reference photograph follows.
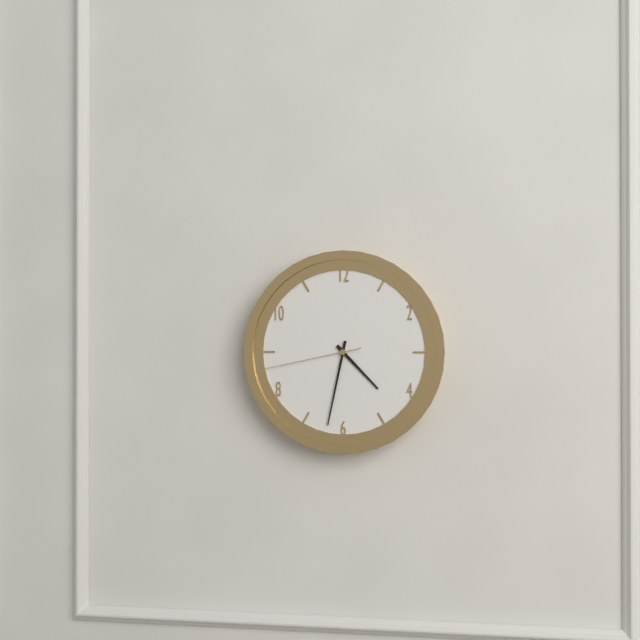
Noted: **4:32:43**
